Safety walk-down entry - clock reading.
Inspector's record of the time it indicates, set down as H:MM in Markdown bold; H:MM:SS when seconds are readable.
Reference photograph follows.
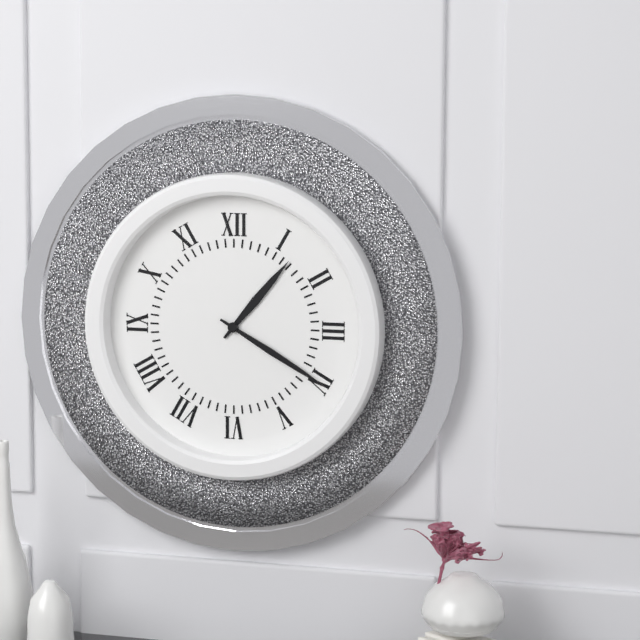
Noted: **1:20**
